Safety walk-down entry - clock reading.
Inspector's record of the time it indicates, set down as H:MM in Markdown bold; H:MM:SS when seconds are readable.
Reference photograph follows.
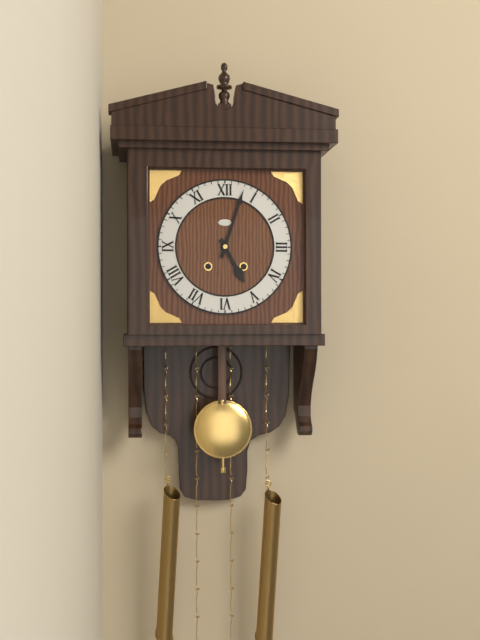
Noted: **5:03**
